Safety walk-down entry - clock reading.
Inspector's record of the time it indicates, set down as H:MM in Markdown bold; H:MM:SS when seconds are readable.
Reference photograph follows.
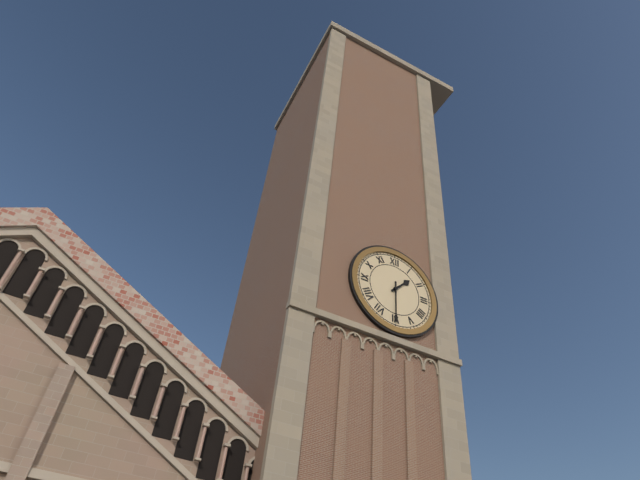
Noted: **1:30**
